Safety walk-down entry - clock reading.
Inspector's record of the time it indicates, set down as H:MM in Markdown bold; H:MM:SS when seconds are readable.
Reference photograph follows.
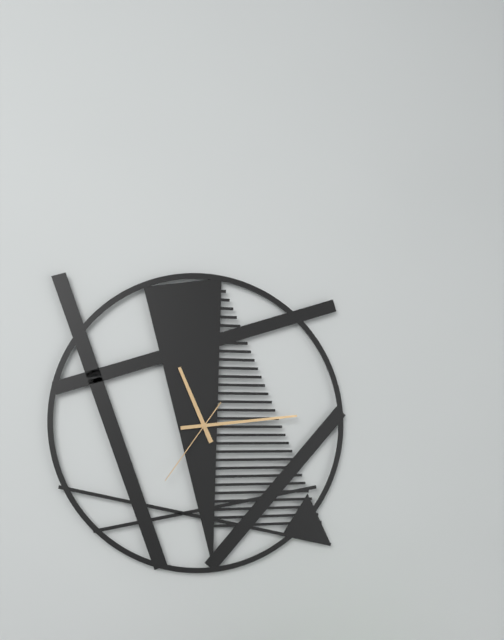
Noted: **11:14:36**
